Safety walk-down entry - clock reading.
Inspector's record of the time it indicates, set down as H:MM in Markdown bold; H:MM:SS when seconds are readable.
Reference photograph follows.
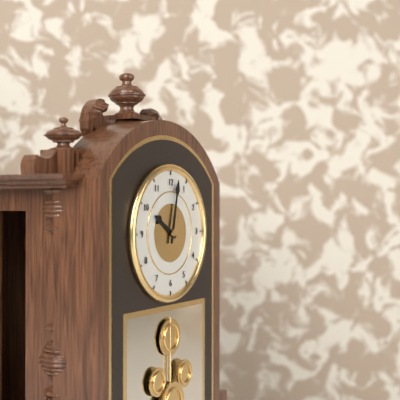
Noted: **10:02**
